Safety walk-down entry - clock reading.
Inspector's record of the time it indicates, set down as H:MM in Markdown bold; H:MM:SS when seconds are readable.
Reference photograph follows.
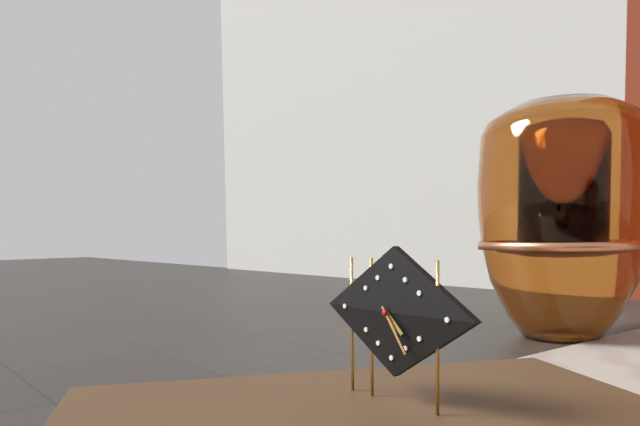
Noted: **4:24**
